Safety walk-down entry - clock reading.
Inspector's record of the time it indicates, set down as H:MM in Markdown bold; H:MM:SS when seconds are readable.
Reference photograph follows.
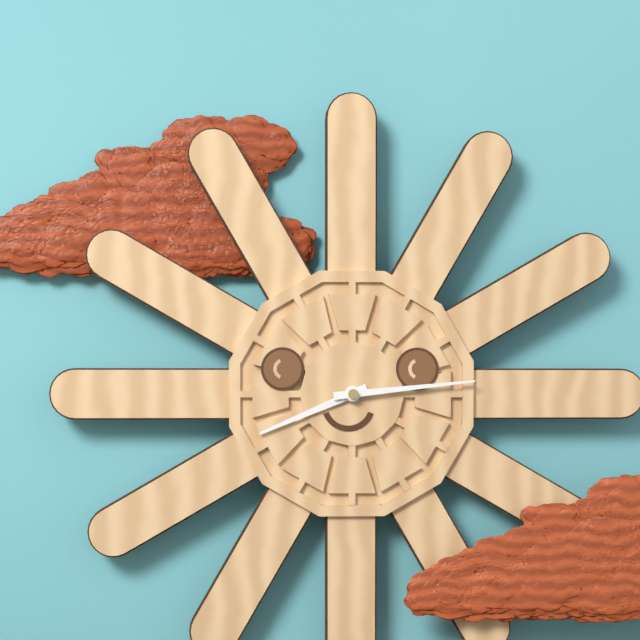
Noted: **8:14**
